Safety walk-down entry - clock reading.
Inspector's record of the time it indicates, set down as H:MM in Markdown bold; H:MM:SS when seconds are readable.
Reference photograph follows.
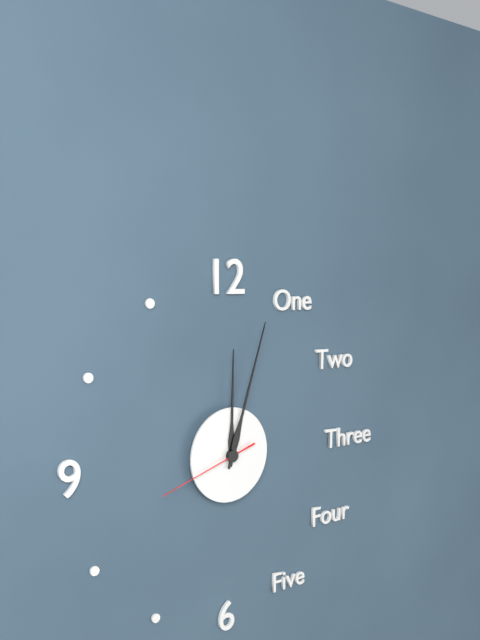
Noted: **12:03:42**
